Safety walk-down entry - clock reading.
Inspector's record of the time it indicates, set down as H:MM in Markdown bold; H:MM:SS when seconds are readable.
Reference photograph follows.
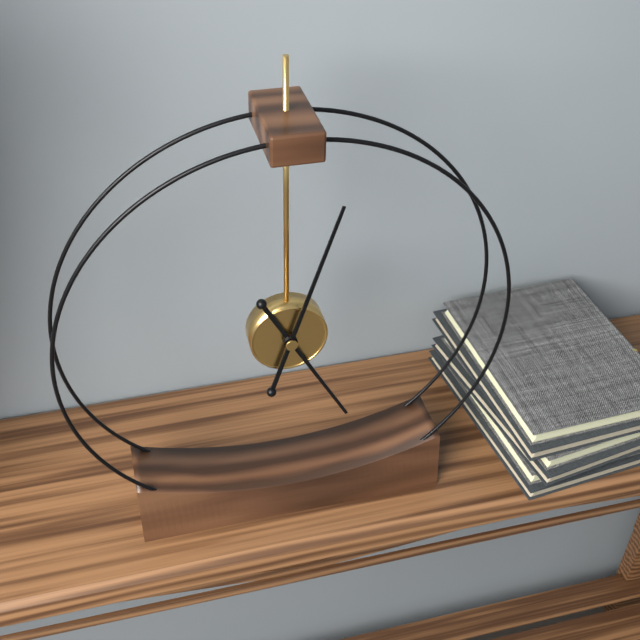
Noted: **5:03**
